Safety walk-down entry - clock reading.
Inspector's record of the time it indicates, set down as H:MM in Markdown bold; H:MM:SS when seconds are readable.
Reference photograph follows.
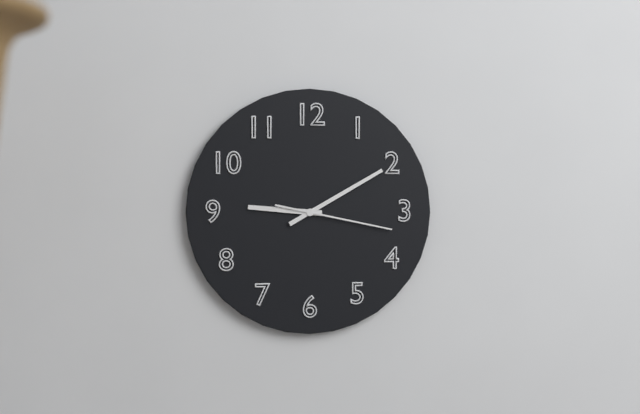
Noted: **9:10:17**
